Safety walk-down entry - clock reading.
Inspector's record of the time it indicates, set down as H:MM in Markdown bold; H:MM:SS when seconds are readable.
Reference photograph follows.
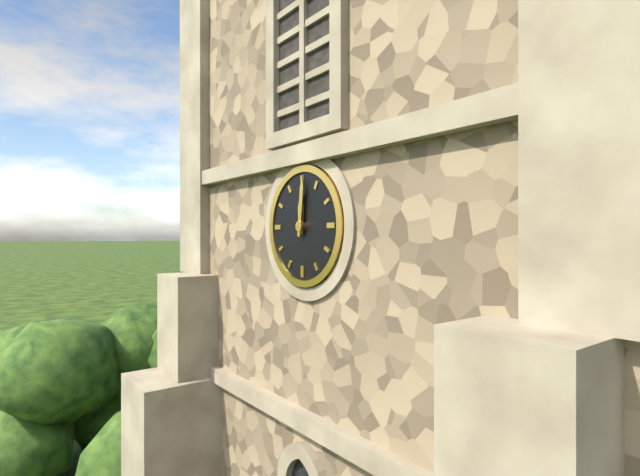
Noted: **12:01**
